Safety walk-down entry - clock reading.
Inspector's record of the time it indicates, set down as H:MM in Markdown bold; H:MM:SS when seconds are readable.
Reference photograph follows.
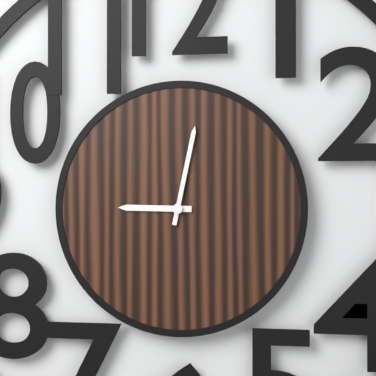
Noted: **9:02**
